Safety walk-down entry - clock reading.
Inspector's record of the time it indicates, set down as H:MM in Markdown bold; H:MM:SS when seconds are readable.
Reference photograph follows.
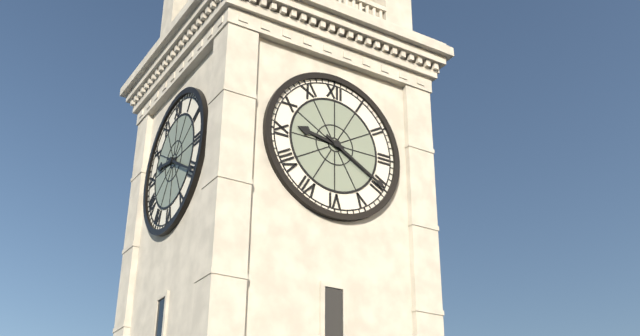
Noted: **9:20**
